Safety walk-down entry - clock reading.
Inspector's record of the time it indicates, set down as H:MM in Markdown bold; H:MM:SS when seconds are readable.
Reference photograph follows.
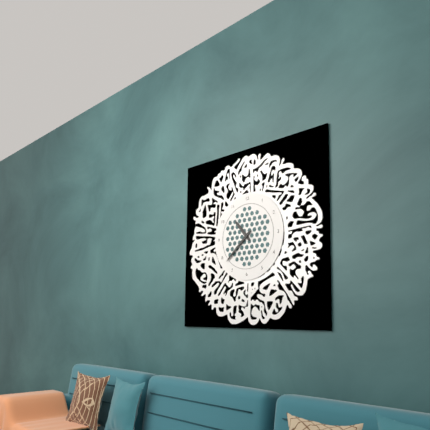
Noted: **10:38**
